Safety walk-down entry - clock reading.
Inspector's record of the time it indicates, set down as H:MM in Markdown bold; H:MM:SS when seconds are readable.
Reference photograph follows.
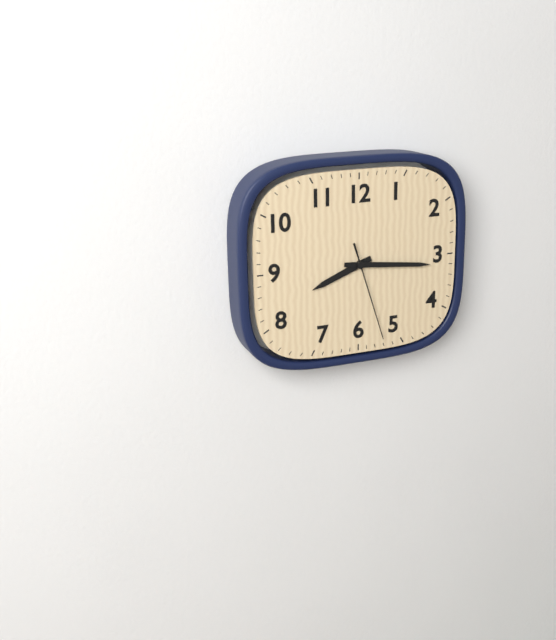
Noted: **8:16:27**
